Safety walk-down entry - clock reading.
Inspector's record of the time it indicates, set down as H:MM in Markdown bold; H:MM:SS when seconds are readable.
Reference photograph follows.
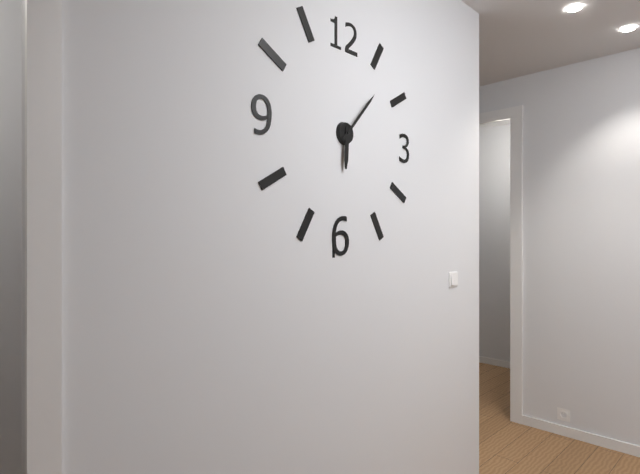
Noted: **6:07**
